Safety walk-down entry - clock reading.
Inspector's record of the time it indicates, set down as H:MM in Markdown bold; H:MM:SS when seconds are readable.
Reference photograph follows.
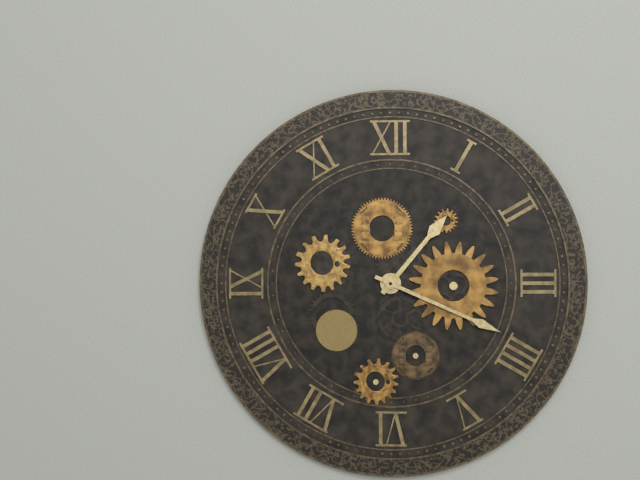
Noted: **1:19**
